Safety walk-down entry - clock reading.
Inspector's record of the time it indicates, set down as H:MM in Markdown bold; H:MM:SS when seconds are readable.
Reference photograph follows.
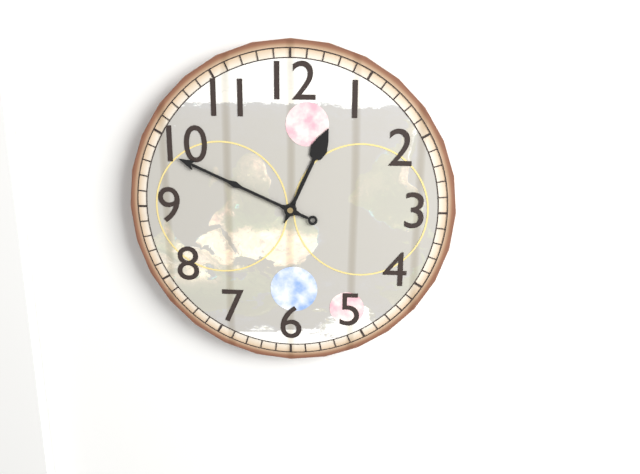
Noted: **12:49**
